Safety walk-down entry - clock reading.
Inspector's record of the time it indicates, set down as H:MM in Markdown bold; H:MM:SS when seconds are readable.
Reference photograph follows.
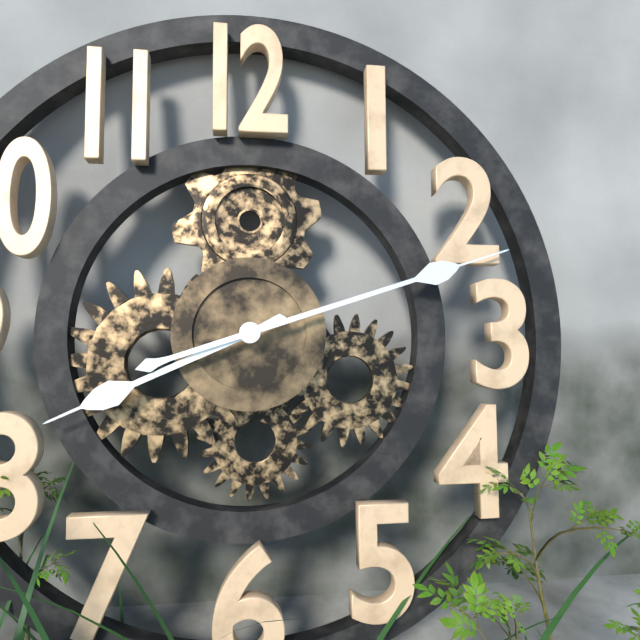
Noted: **8:12**
